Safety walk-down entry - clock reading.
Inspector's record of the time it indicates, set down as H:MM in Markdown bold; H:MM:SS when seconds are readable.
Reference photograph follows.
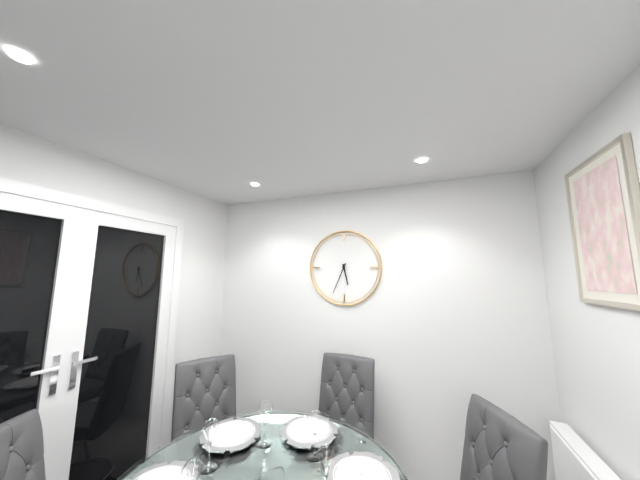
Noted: **5:34**
